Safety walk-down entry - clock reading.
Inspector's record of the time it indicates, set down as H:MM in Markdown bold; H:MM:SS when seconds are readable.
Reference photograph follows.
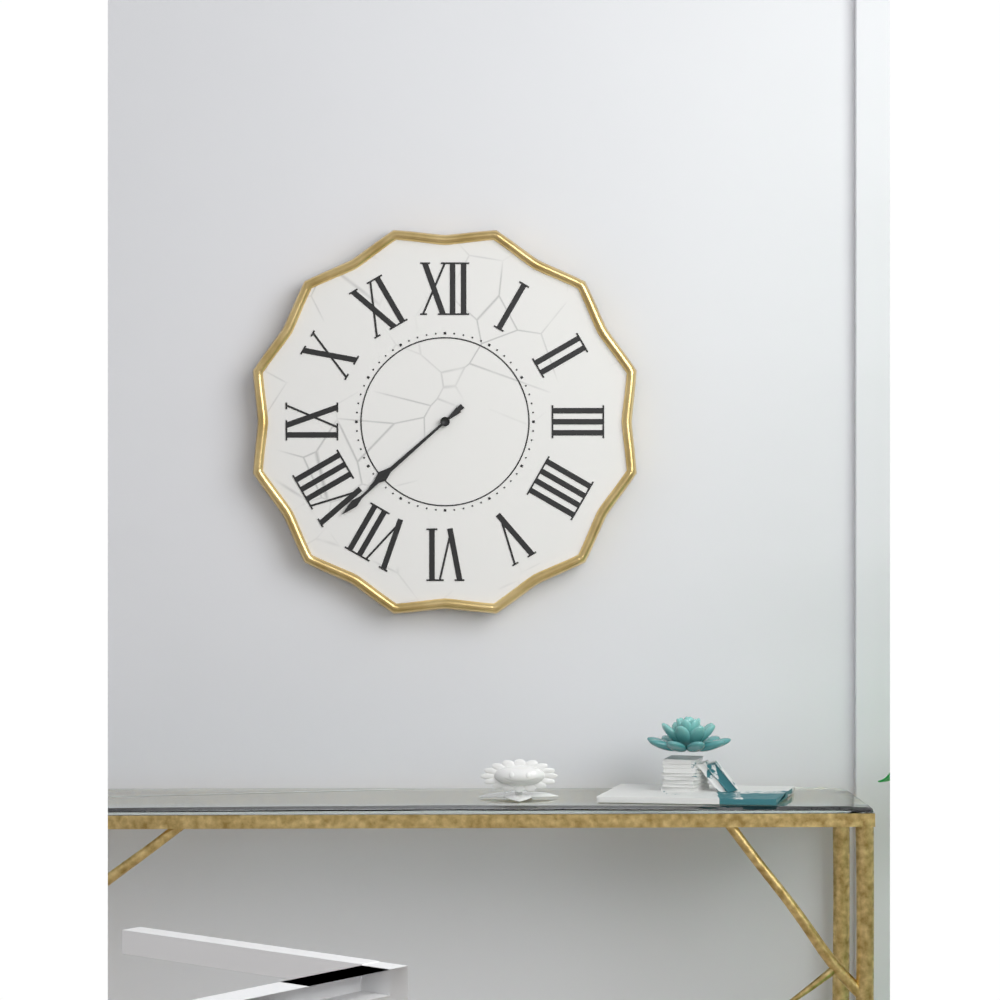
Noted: **7:38**
